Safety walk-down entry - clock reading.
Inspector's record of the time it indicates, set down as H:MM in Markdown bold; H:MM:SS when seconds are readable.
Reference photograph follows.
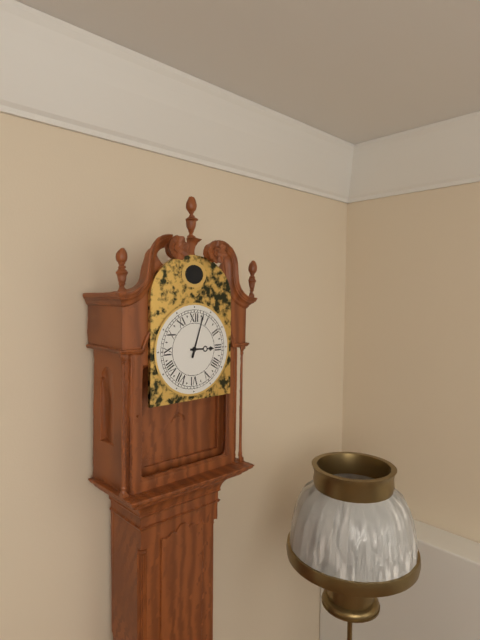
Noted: **3:03**
